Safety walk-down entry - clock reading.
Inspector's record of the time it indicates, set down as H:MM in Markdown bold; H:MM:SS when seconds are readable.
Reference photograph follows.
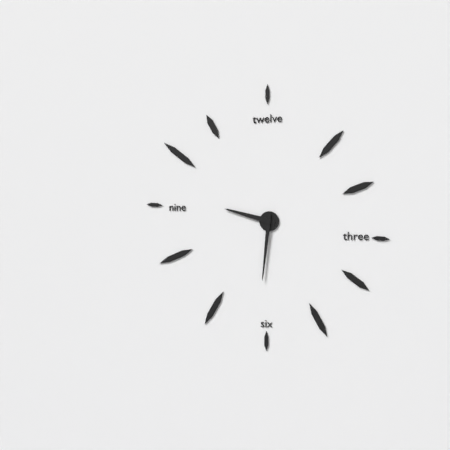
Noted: **9:31**
